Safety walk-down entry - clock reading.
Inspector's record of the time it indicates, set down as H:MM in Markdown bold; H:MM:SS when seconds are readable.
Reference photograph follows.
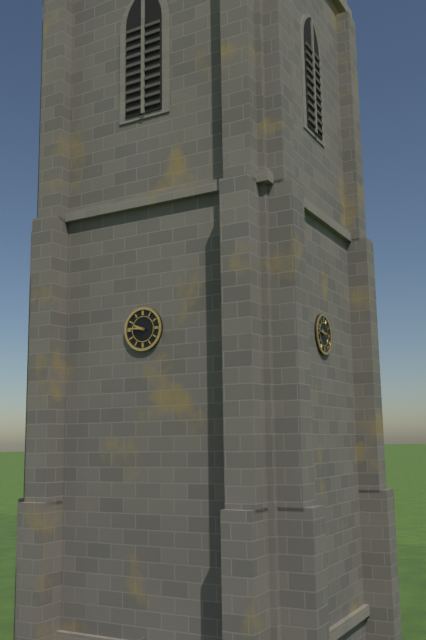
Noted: **9:46**
